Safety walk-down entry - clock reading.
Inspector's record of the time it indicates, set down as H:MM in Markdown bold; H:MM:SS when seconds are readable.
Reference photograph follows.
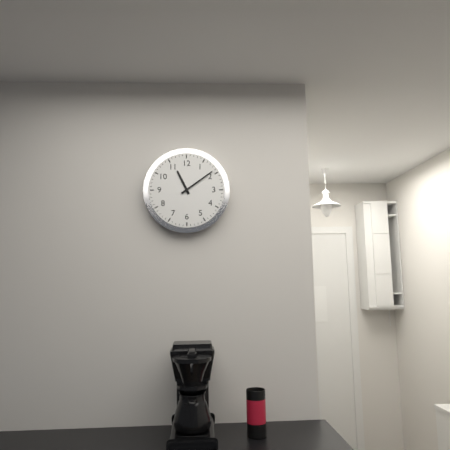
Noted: **11:09**
